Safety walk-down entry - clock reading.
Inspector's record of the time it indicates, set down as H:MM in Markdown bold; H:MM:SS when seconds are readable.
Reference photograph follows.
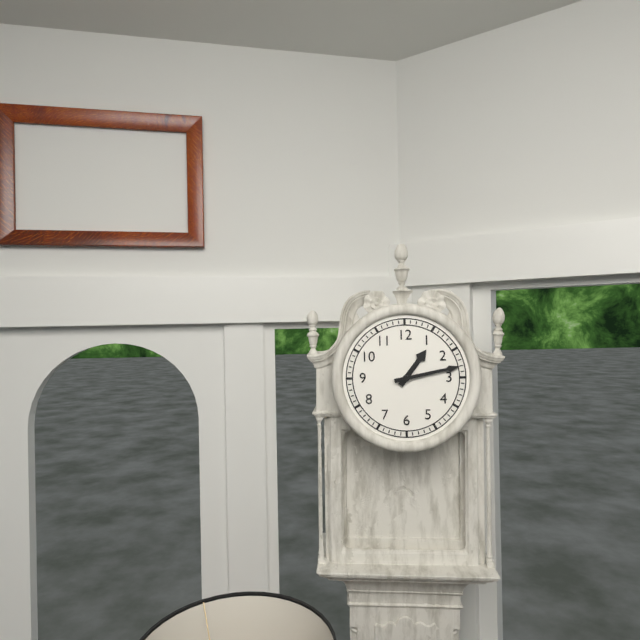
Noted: **1:13**
